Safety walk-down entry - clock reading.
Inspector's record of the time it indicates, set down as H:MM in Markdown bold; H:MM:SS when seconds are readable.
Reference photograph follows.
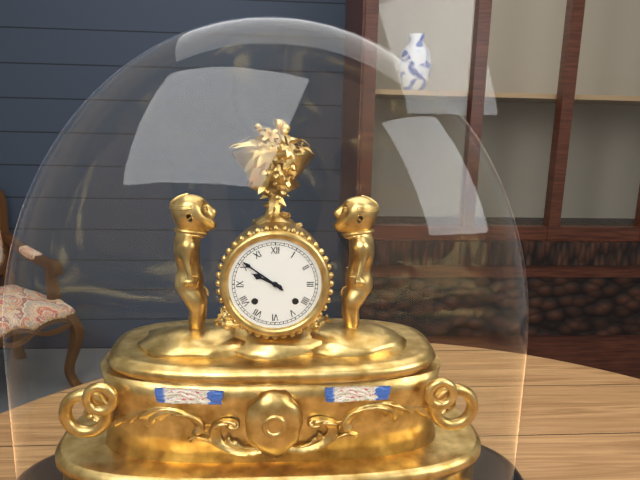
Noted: **9:51**
